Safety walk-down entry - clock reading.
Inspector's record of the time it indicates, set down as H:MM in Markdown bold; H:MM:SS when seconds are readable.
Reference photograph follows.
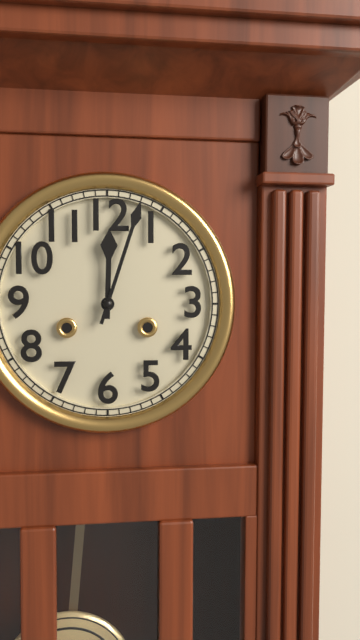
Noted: **12:03**
